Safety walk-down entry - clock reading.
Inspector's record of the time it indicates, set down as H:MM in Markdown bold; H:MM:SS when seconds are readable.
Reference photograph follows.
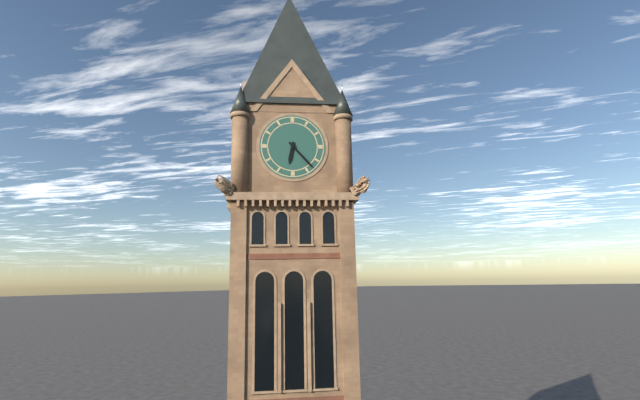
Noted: **6:23**
